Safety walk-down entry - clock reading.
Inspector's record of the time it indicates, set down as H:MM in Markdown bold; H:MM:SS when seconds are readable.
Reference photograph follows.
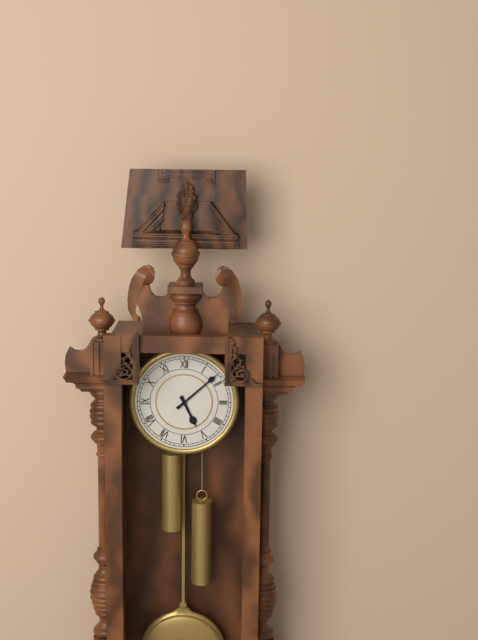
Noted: **5:08**
